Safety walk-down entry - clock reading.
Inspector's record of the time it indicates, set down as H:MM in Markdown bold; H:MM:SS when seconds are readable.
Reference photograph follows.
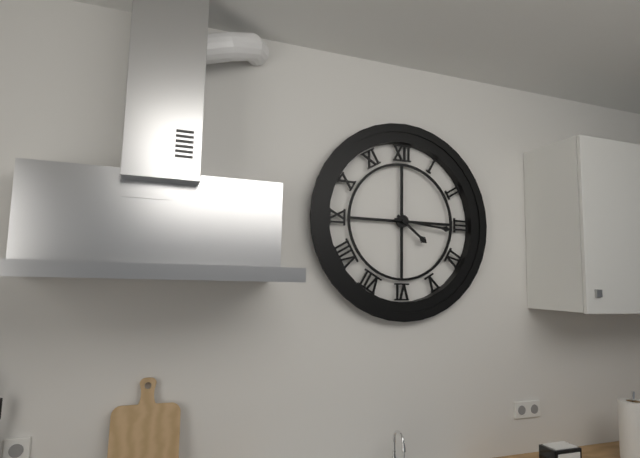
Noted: **4:16**
